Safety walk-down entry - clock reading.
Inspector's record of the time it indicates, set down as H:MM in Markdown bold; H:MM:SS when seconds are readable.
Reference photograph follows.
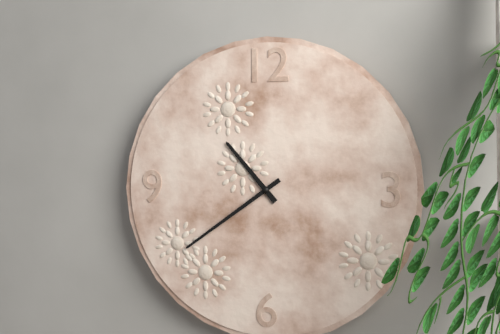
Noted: **10:39**
